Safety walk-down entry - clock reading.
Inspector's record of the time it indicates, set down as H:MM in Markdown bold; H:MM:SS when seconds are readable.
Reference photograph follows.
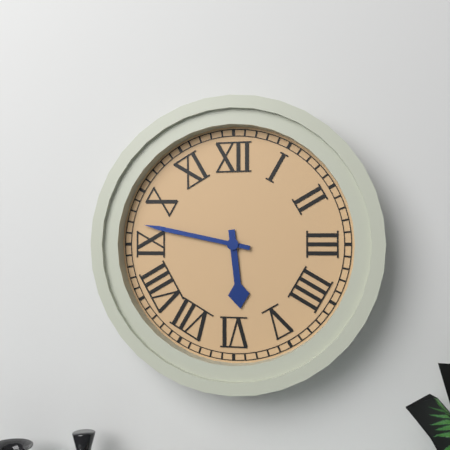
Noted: **5:47**
